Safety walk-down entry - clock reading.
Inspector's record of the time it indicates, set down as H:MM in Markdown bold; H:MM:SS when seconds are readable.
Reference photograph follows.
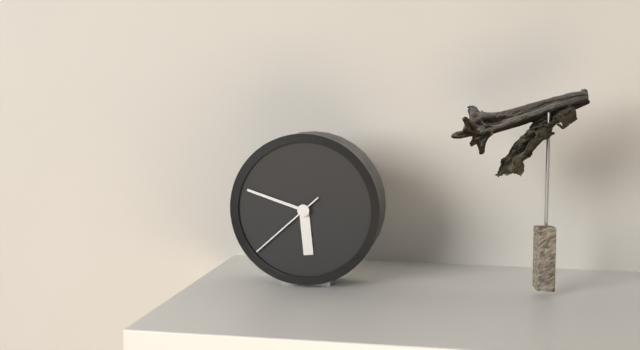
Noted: **5:48:38**
